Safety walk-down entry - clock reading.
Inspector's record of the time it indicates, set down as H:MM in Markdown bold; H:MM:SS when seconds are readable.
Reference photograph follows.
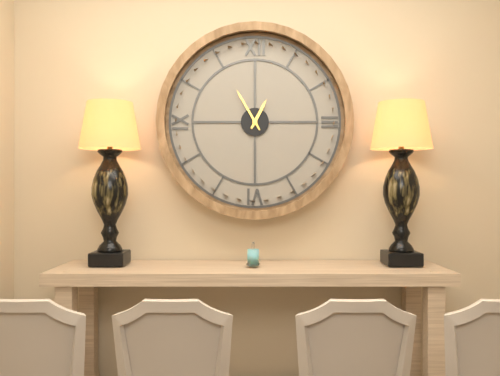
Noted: **12:55**
